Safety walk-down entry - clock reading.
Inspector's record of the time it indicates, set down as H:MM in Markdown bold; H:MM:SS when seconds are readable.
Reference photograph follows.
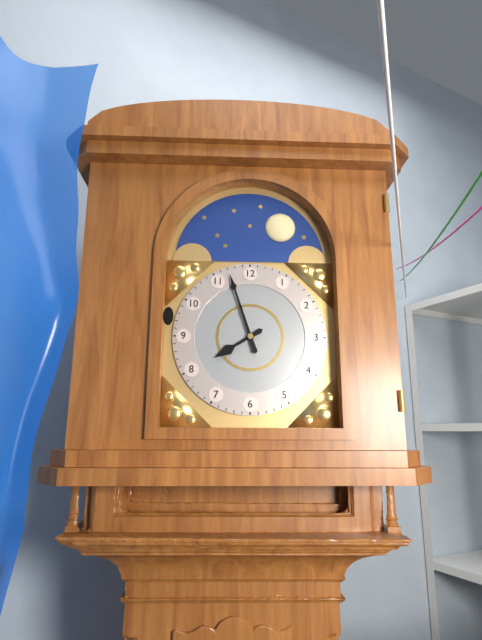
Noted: **7:57**
